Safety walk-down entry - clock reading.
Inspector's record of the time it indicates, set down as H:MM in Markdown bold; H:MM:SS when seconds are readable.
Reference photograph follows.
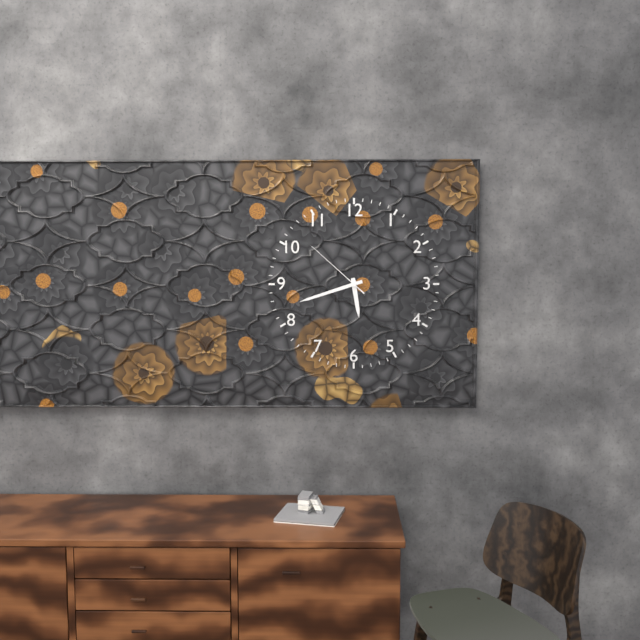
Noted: **5:42:52**
